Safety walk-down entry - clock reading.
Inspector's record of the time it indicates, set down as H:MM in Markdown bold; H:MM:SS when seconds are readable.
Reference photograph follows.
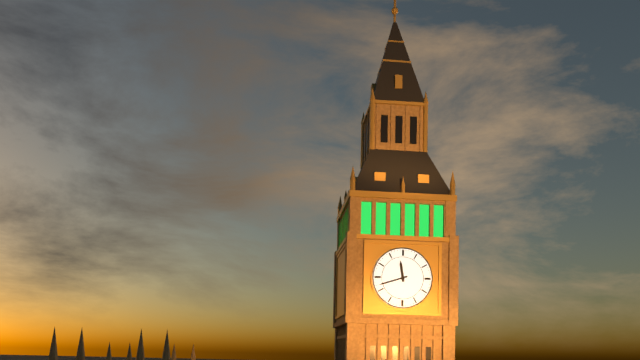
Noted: **11:42**
